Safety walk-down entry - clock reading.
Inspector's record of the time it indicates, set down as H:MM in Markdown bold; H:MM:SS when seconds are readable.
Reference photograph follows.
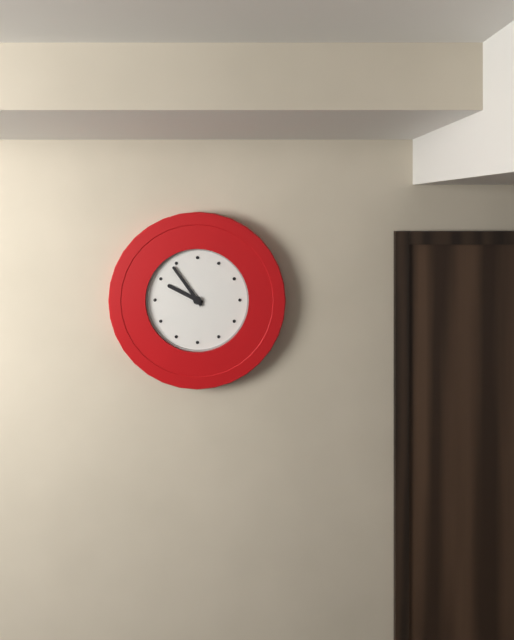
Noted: **9:54**
